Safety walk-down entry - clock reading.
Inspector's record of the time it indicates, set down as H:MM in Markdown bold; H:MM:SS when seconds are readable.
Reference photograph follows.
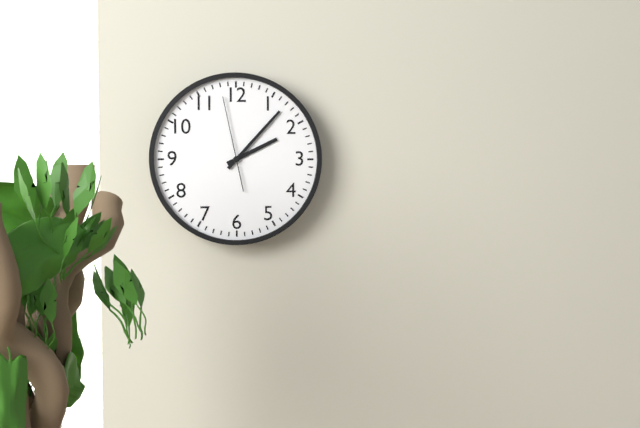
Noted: **2:07:58**
